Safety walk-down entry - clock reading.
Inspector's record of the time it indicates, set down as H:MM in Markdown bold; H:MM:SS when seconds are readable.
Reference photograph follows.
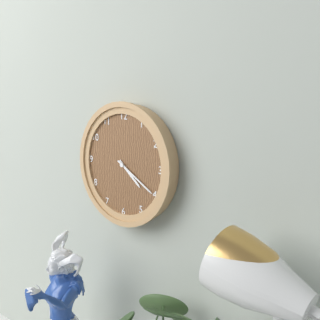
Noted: **4:20**
